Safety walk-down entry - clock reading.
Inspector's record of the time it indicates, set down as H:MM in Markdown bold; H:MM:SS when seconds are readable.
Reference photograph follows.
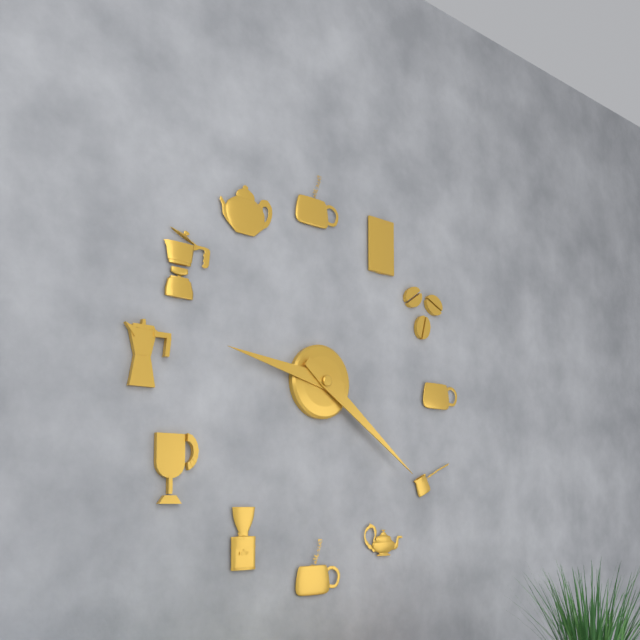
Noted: **9:21**
